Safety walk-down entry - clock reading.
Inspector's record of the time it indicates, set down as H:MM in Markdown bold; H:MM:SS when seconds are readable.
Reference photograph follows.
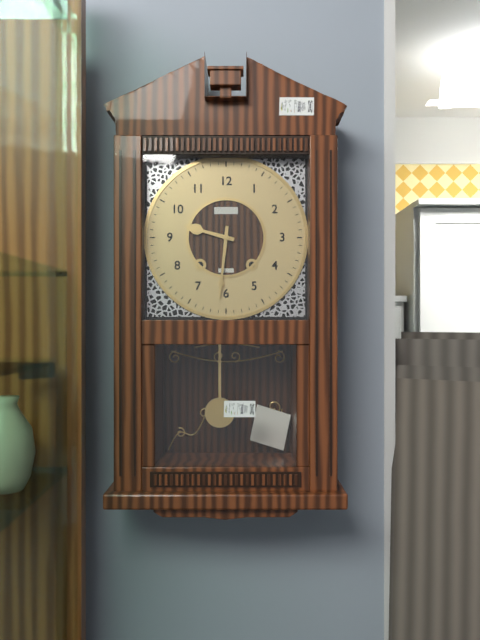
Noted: **9:31**
